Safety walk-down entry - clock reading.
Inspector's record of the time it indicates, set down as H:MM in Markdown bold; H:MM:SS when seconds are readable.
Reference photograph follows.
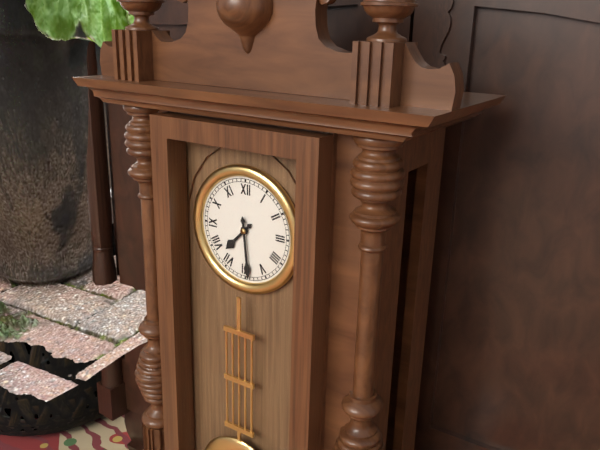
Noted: **7:29**
